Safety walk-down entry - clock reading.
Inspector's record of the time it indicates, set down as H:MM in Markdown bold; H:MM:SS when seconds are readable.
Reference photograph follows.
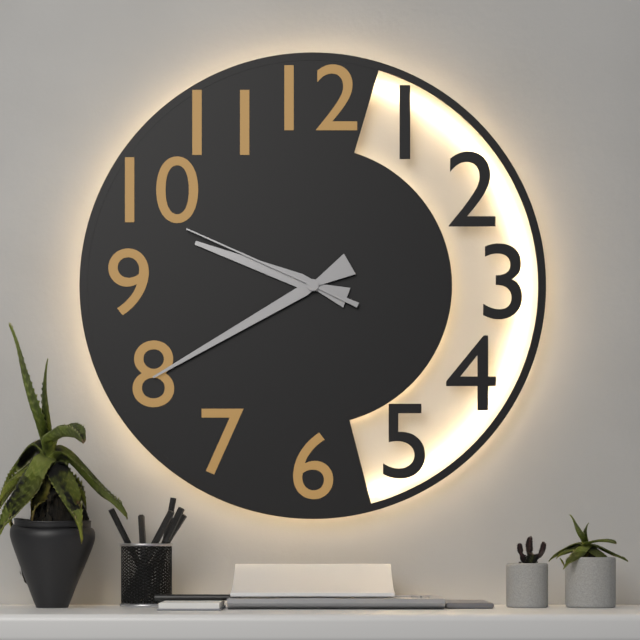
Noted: **9:40:49**
